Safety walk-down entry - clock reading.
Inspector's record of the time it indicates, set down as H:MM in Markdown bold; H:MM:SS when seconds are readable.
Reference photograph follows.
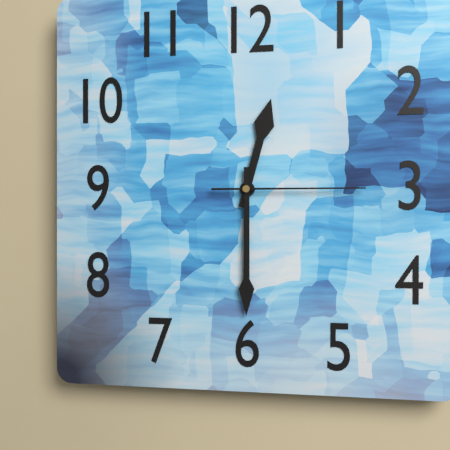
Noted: **12:30:15**
